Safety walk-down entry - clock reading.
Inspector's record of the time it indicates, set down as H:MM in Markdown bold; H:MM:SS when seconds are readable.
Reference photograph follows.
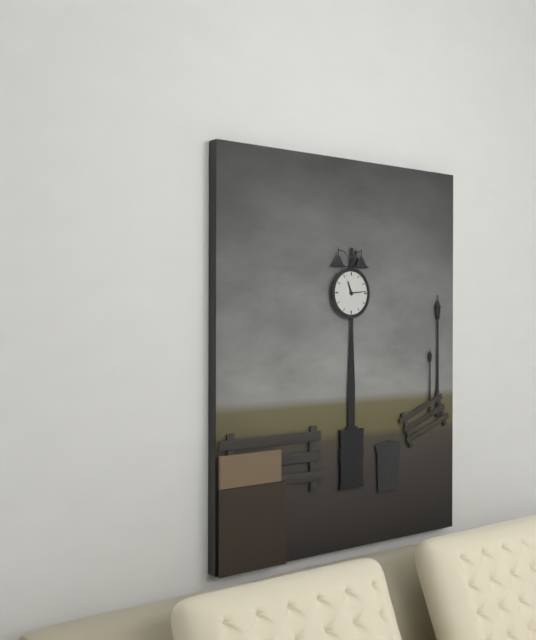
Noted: **11:14**
